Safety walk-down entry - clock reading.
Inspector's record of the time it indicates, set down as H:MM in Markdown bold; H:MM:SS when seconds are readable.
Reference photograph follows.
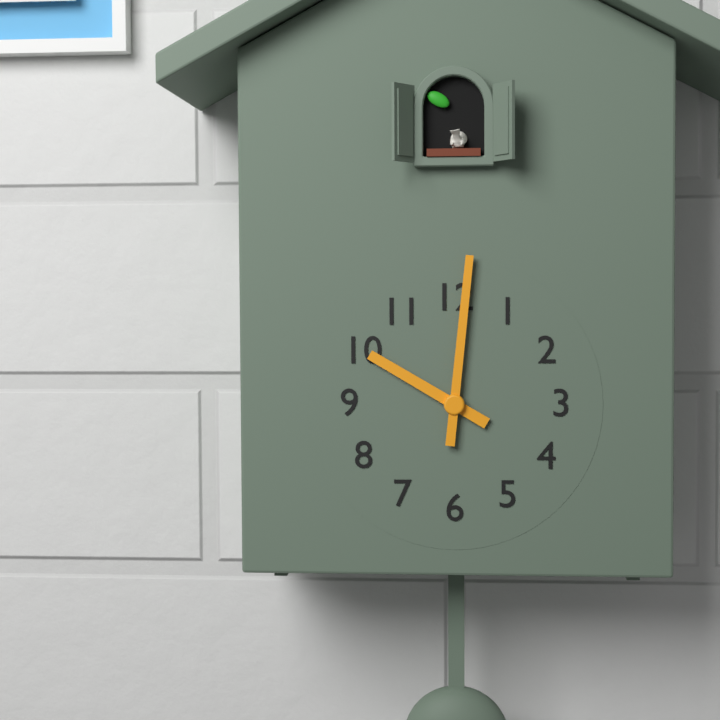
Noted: **10:01**
